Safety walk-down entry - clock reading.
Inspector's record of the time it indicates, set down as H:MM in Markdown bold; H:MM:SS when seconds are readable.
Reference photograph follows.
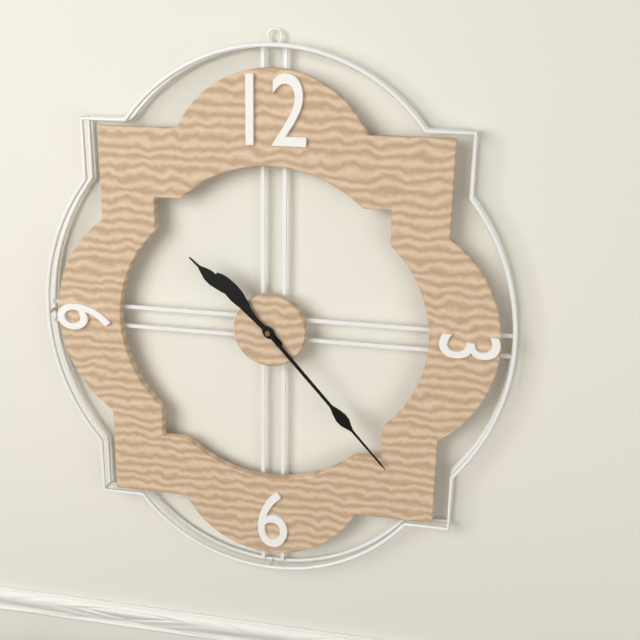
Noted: **10:23**
